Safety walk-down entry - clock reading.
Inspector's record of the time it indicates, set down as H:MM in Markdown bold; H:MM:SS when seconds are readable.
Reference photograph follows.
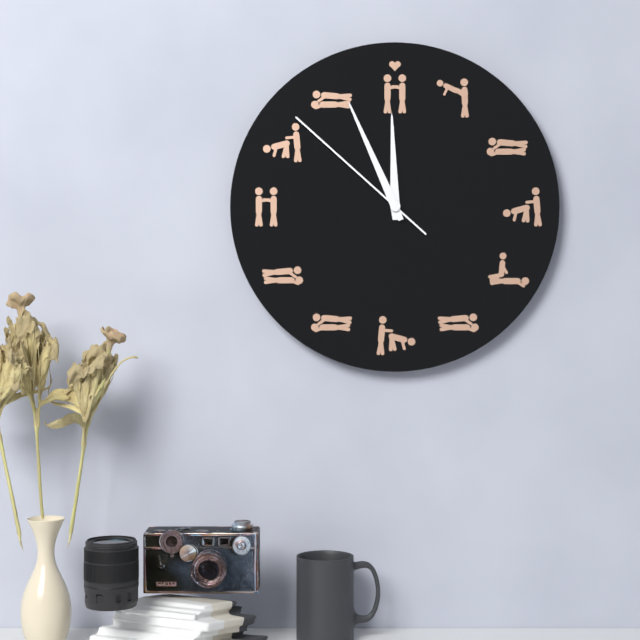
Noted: **11:56:52**
